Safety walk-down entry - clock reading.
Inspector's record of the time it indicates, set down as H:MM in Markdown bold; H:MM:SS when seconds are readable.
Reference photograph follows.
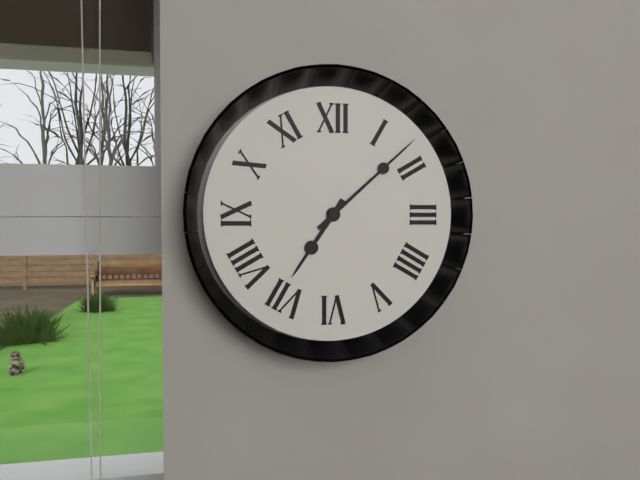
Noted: **7:08**
